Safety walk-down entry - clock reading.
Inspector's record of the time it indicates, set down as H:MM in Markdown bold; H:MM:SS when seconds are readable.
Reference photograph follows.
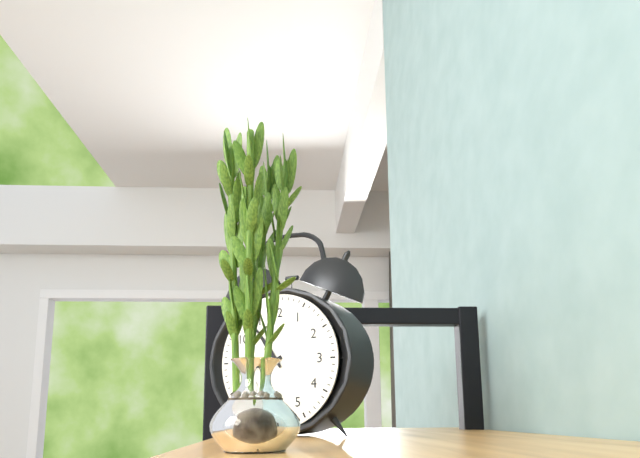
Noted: **7:54**
